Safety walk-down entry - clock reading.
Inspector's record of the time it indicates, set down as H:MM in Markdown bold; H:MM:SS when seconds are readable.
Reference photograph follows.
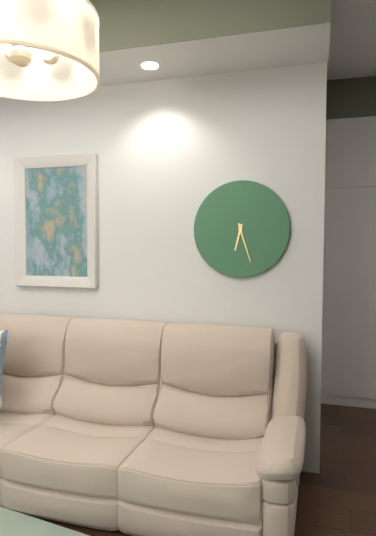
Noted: **6:27**
